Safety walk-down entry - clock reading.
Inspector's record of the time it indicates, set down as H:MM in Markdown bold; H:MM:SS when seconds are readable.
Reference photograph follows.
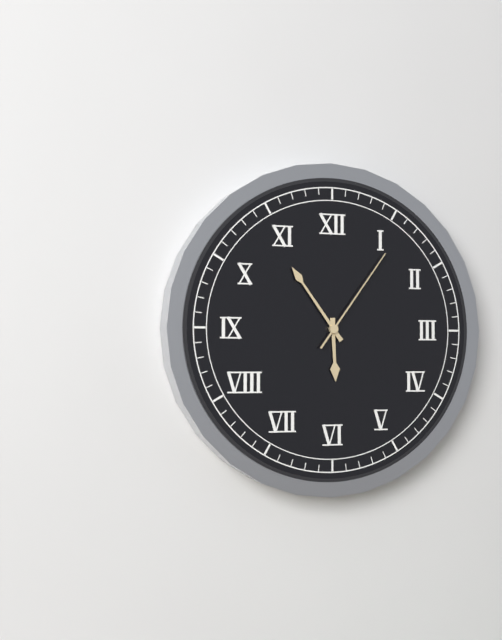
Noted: **5:54:06**
